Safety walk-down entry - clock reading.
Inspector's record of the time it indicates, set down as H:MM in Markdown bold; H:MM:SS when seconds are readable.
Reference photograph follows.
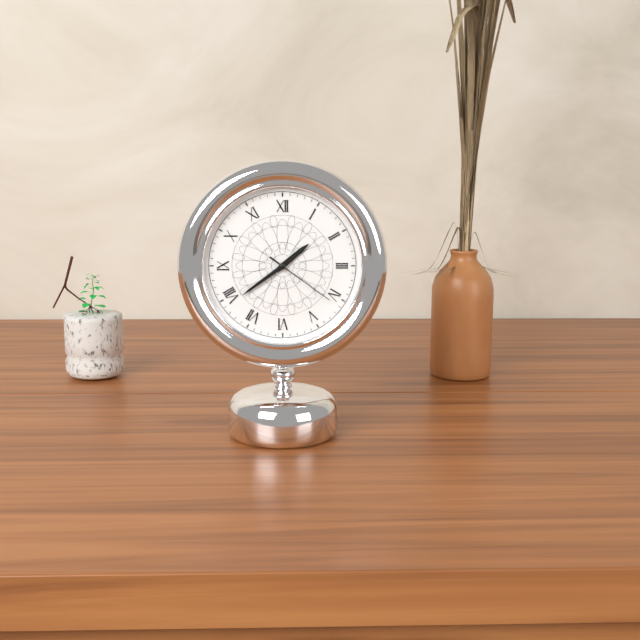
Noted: **1:39:21**
